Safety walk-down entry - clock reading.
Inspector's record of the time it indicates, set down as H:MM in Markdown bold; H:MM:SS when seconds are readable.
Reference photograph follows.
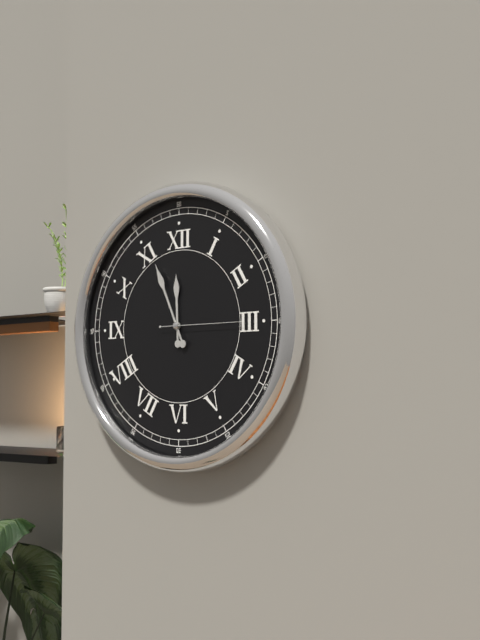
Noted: **11:56:15**
